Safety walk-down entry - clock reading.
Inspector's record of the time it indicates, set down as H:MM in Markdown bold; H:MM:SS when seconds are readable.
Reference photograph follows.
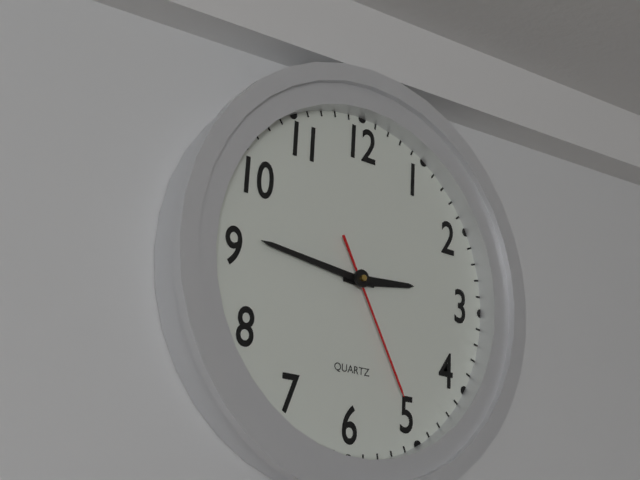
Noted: **2:46:25**
